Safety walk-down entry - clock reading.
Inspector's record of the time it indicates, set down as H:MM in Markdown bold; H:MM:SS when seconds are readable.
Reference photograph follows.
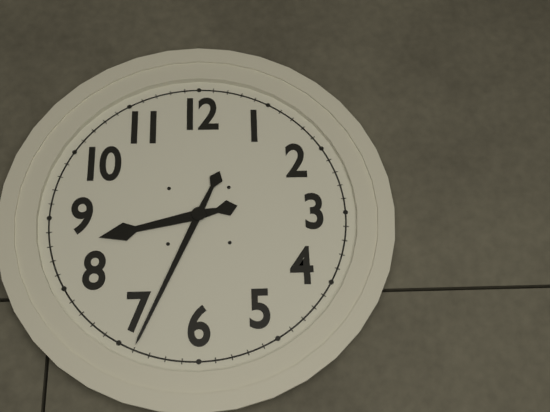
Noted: **8:34**
